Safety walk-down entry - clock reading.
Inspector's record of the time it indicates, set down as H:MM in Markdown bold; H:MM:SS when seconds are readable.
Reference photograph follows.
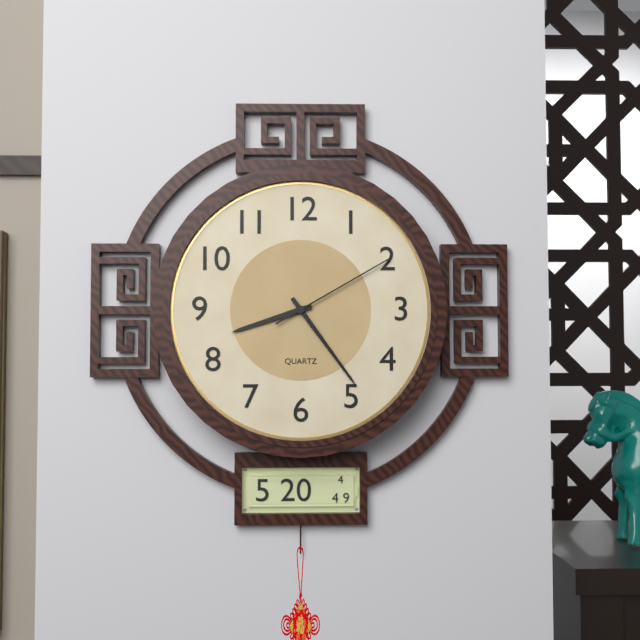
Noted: **8:24:10**
